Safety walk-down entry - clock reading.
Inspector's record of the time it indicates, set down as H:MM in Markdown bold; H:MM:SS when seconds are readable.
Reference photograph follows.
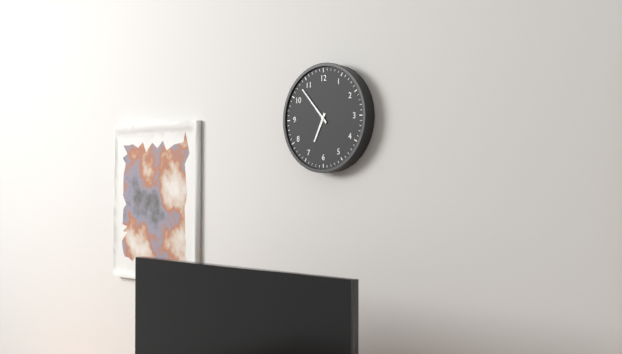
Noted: **6:53**
